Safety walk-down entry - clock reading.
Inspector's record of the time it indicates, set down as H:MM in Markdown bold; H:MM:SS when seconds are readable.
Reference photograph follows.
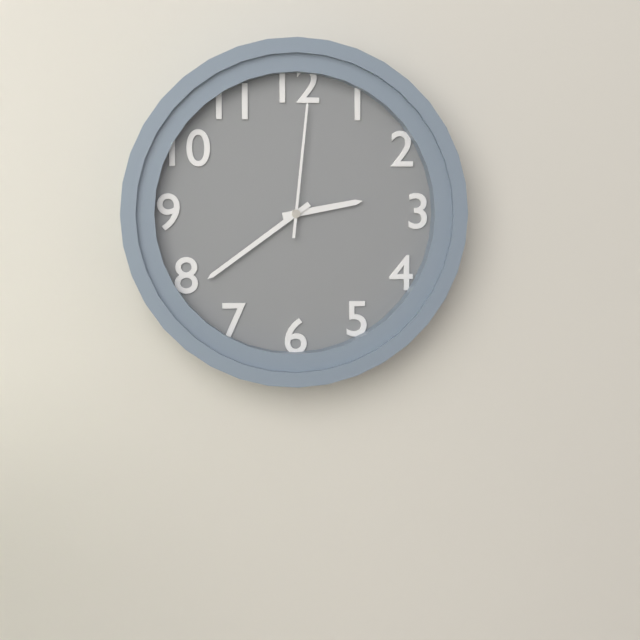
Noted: **2:39:01**
